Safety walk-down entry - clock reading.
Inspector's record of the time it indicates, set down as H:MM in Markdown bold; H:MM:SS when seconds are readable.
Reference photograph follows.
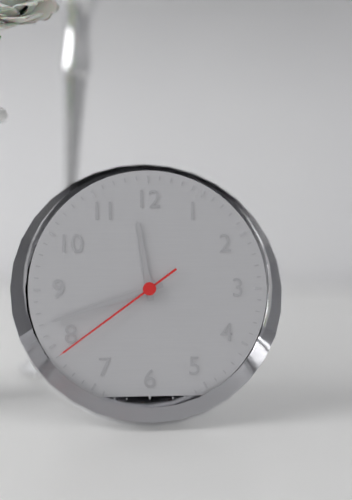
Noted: **11:42:39**
